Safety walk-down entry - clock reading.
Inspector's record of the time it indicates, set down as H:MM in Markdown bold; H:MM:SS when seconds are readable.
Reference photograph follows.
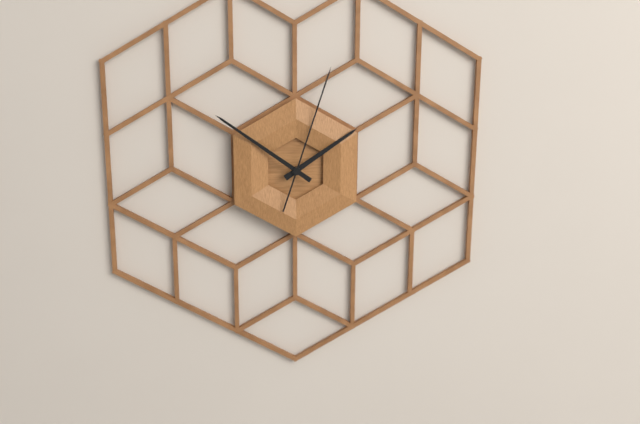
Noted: **1:51:03**
